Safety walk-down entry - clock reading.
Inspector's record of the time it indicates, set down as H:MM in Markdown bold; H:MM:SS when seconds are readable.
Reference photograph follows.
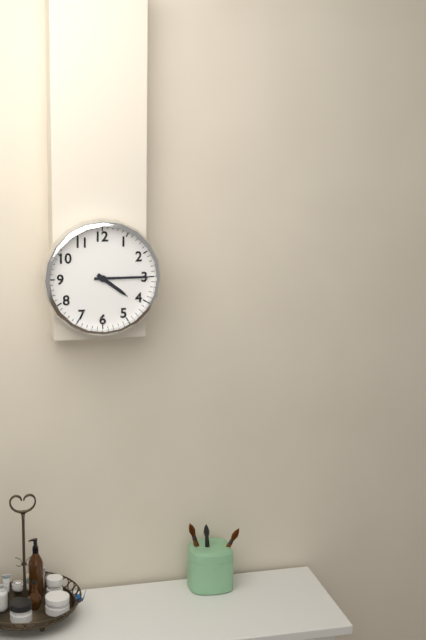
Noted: **4:15**
